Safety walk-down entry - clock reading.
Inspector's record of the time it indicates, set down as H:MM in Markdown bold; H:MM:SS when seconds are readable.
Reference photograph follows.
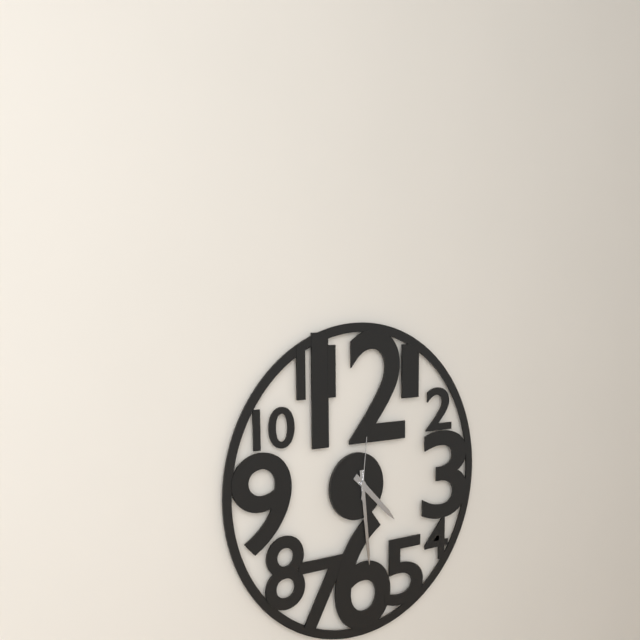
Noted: **4:29:01**
